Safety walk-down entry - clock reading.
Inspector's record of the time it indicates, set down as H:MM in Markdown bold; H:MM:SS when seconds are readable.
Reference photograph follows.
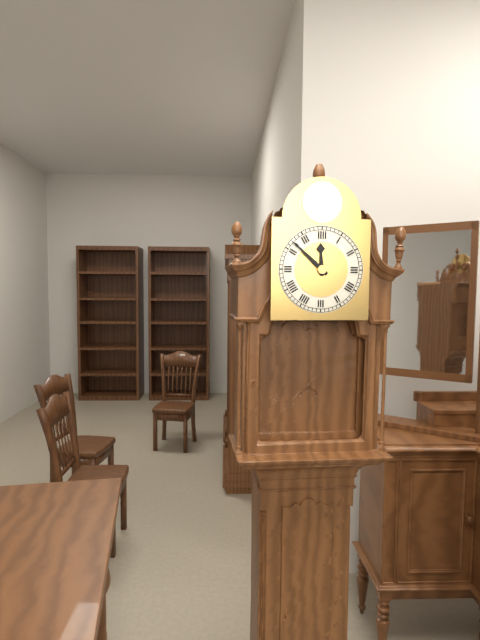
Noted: **11:52**
